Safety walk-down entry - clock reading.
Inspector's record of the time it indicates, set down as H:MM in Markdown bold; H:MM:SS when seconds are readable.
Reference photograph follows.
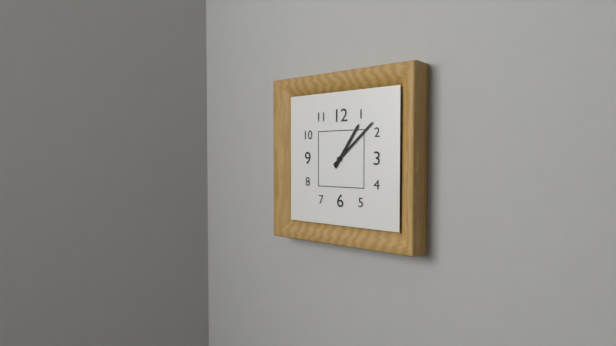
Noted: **1:08**
